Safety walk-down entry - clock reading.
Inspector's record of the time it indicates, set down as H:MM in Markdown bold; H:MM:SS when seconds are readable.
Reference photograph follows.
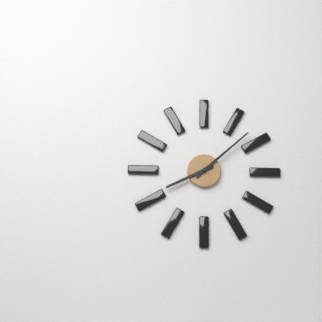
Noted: **8:08**
